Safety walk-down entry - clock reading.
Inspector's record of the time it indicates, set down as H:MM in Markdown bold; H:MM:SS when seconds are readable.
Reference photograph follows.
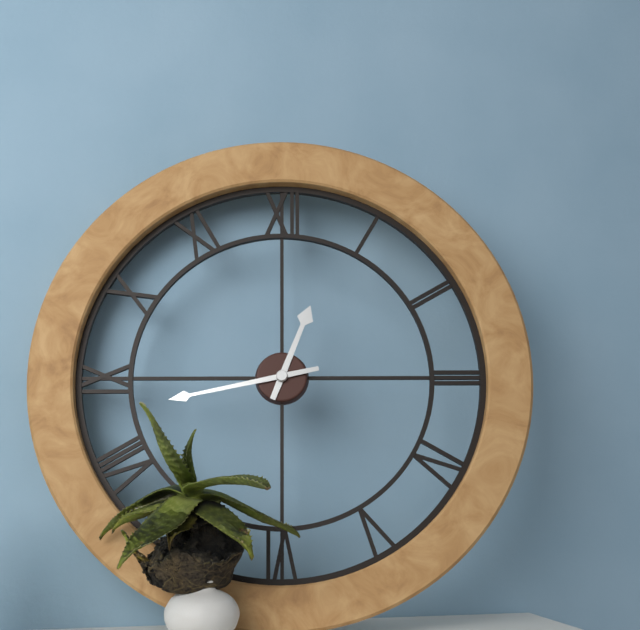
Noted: **12:43**
